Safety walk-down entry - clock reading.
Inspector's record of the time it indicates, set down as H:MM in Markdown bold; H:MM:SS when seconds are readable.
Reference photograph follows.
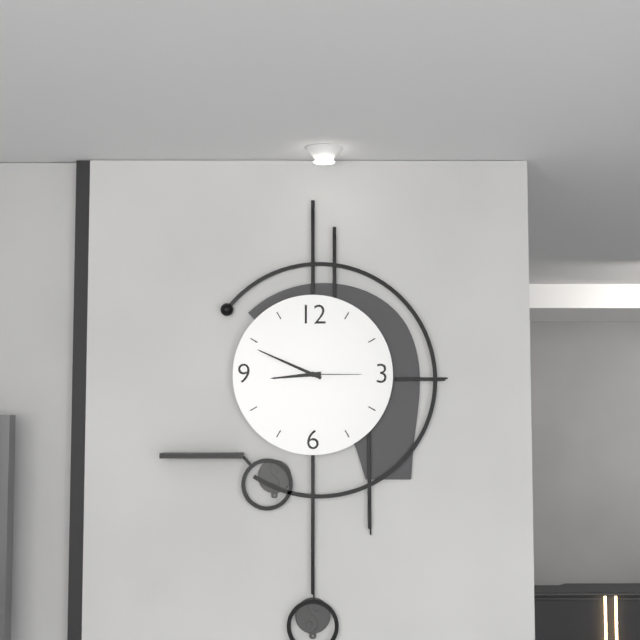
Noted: **8:49:15**
